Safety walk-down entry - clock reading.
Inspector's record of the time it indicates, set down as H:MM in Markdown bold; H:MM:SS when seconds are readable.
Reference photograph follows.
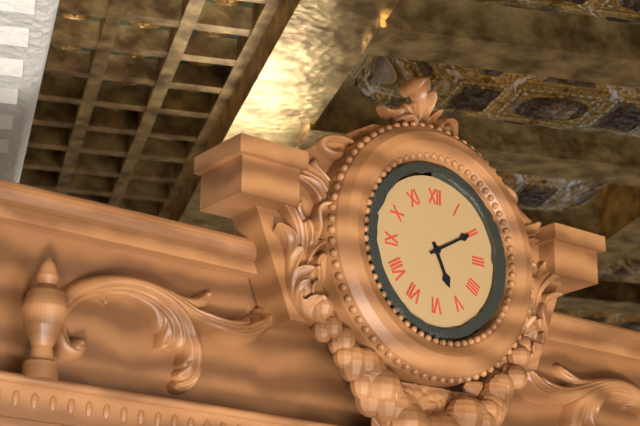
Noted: **5:10**
